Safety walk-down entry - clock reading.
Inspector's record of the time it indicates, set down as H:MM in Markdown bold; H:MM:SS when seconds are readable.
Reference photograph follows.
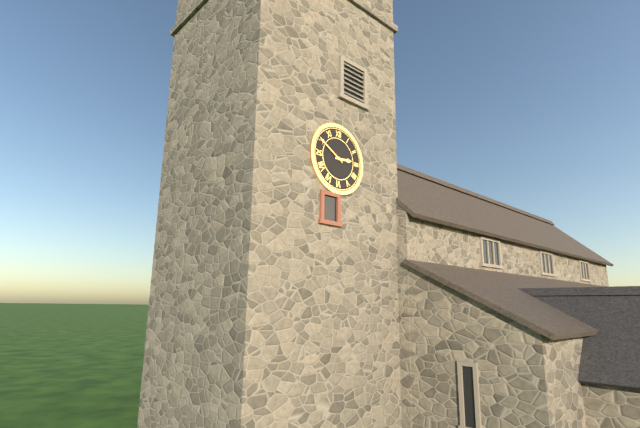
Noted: **2:50**
